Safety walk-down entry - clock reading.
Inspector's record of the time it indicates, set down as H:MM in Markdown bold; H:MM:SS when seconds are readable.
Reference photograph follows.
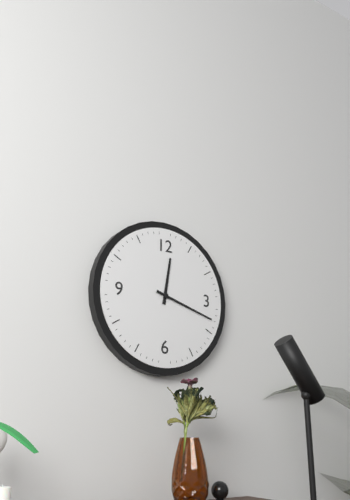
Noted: **12:18**
